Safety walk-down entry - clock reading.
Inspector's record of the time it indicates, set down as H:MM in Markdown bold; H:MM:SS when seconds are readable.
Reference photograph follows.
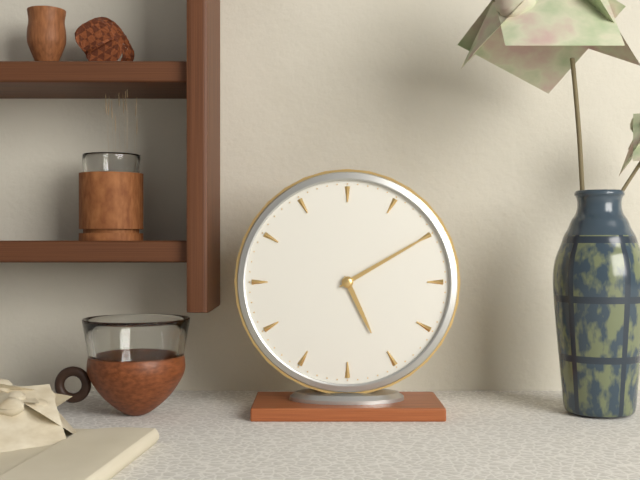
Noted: **5:10**
